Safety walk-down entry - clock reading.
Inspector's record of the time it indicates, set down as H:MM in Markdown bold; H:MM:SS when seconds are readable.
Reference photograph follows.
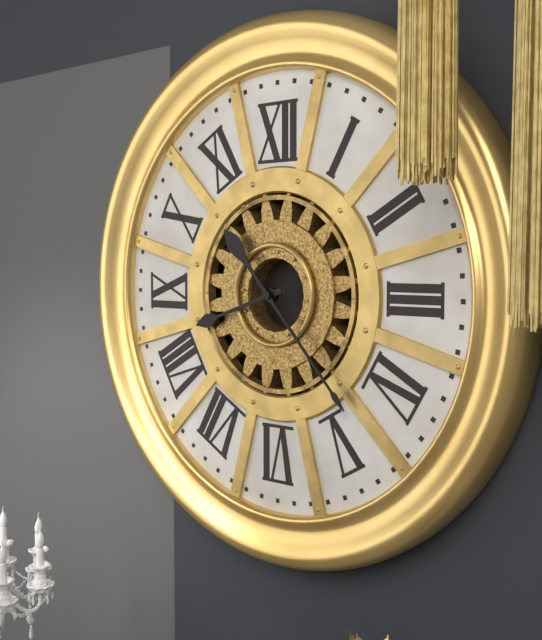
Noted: **8:23**
